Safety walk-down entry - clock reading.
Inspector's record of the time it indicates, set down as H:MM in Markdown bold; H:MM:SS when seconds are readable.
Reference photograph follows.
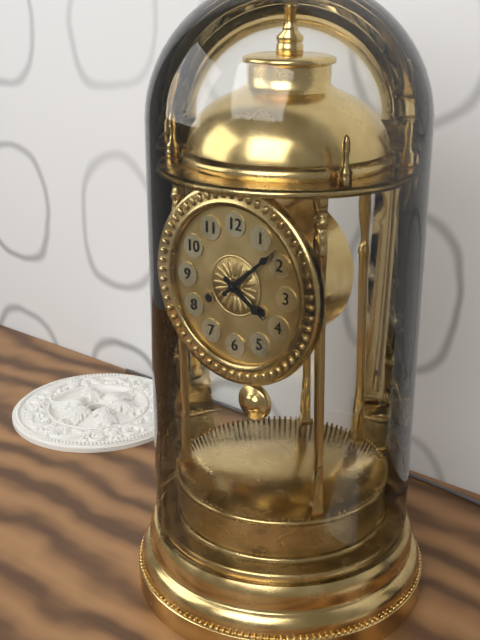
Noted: **4:08**
